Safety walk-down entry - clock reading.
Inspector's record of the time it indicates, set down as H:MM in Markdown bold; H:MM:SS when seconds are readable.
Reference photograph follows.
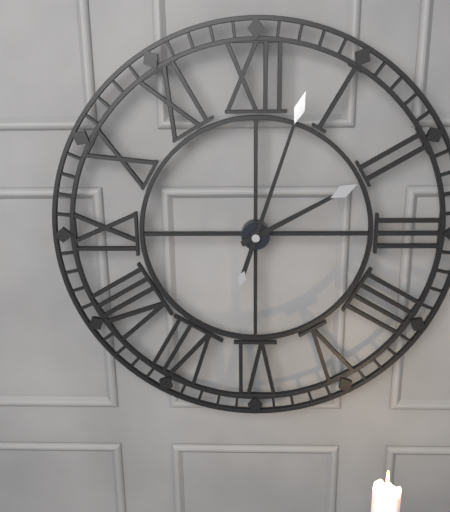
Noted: **2:03**
